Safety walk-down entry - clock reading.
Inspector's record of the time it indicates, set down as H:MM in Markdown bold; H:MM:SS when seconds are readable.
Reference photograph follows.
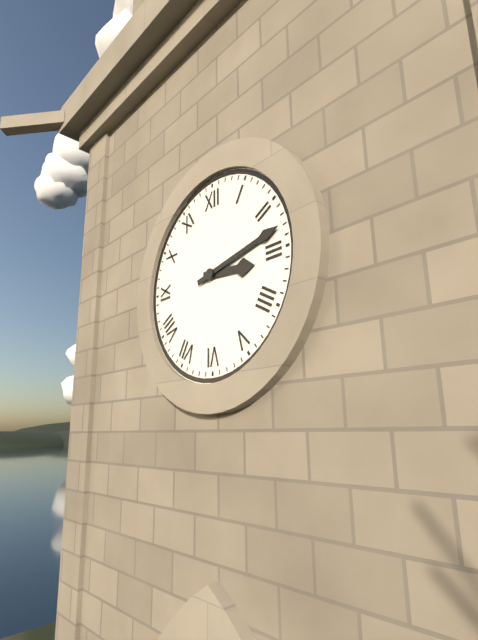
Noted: **3:13**
